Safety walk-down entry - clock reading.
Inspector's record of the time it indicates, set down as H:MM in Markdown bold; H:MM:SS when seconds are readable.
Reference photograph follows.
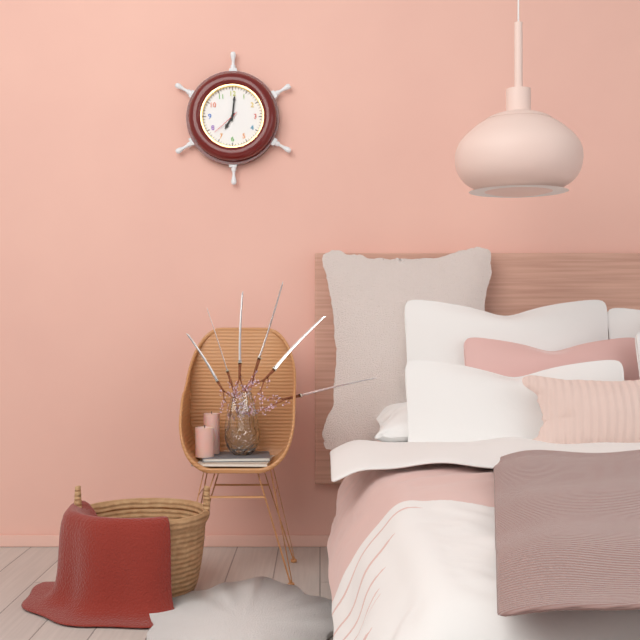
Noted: **7:01**
